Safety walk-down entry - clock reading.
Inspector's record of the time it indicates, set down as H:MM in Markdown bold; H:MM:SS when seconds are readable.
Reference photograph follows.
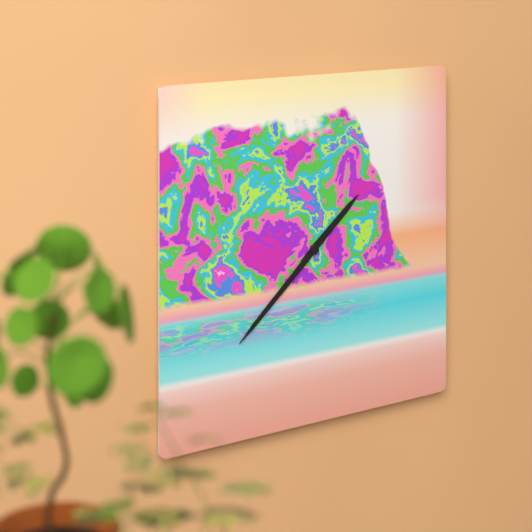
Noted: **1:38**
